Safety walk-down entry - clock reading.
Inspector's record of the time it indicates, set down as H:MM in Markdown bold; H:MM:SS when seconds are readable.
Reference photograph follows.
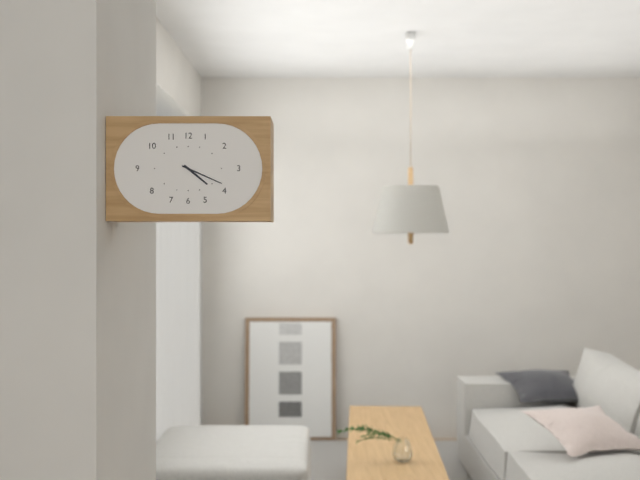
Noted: **4:19**
